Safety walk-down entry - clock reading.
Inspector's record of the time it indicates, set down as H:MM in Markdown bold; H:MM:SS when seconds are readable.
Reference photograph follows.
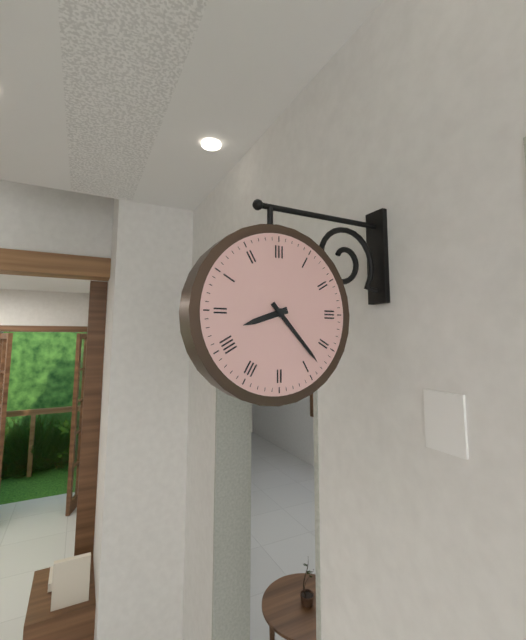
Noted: **8:23**
